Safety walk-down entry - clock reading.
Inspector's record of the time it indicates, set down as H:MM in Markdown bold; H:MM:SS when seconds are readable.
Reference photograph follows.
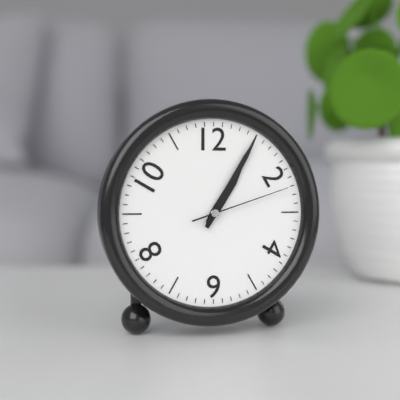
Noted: **1:05:12**
